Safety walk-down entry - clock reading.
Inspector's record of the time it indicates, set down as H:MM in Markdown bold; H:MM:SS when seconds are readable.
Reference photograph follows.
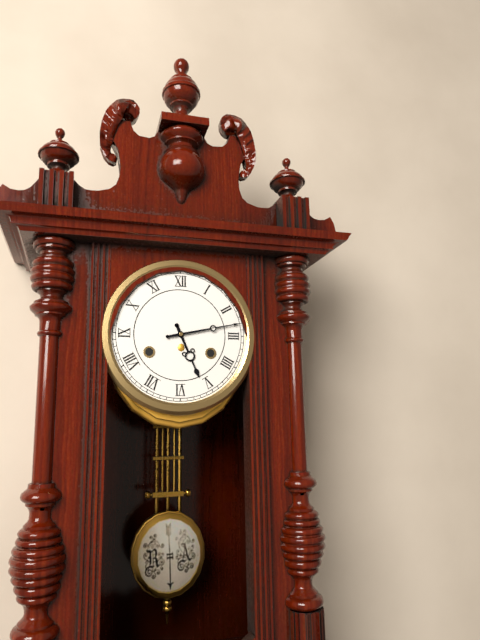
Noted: **5:13**
